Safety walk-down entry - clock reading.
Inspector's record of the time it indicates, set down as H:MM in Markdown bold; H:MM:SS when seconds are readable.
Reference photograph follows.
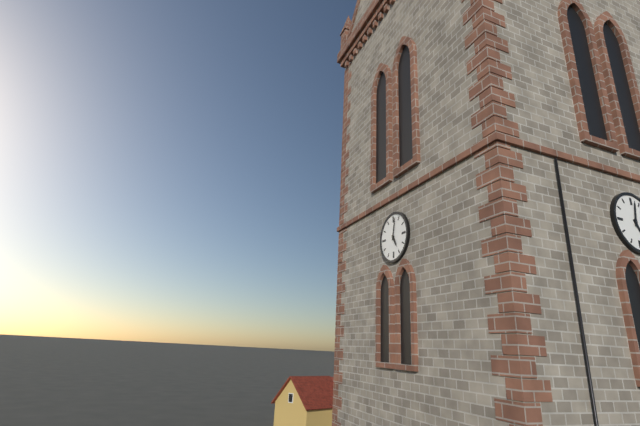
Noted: **5:02**
